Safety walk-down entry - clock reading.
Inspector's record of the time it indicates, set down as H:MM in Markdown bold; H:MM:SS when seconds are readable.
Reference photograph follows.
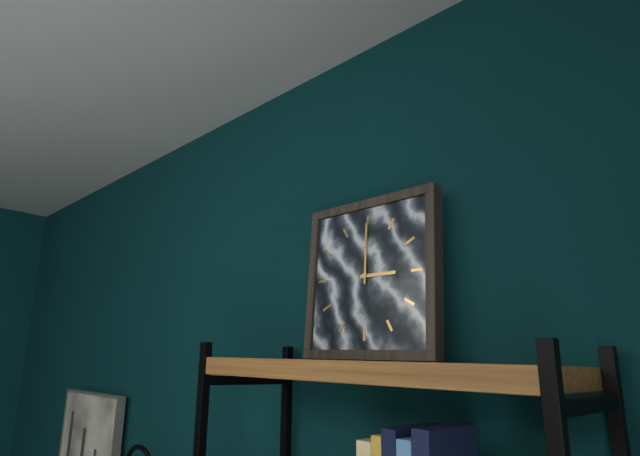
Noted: **3:00**
